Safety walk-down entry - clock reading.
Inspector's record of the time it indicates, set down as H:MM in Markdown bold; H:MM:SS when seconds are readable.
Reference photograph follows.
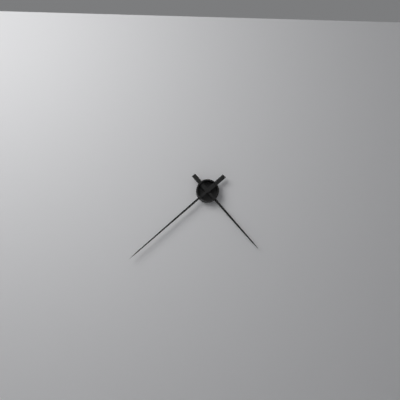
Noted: **4:38**
